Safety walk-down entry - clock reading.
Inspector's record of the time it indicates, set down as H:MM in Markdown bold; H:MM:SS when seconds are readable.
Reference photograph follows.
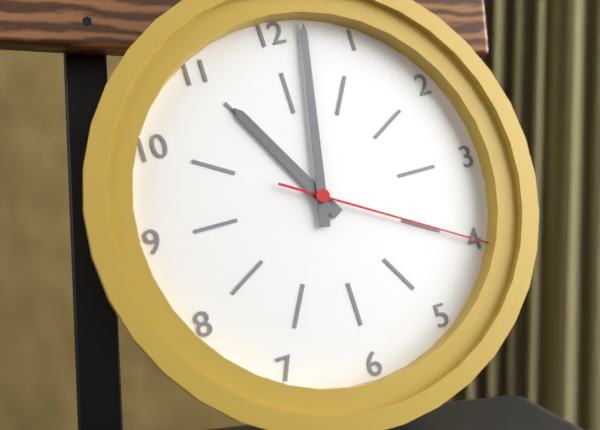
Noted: **11:02:20**
